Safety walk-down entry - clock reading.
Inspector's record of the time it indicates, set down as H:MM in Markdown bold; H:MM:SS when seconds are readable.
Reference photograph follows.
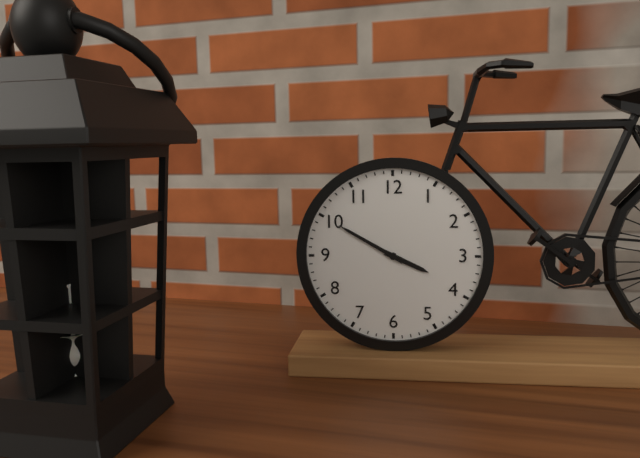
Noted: **3:50**
